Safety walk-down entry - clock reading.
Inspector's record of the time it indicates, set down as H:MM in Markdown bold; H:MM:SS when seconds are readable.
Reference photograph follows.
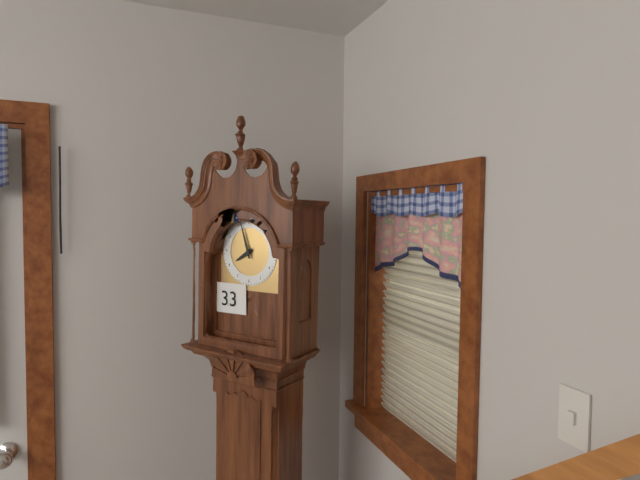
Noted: **7:57**
